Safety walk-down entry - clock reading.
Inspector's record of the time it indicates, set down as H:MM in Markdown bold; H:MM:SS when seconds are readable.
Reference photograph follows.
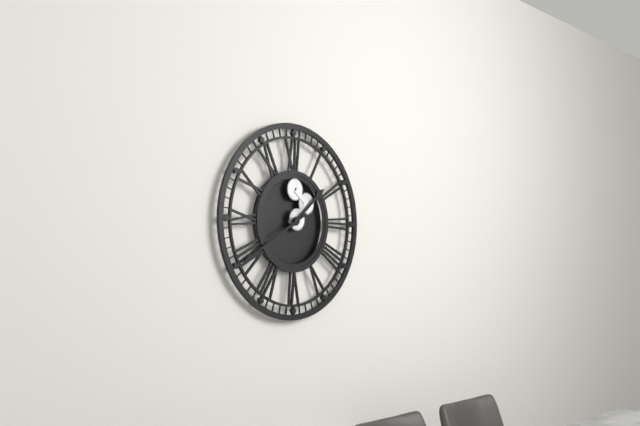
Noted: **1:40**
